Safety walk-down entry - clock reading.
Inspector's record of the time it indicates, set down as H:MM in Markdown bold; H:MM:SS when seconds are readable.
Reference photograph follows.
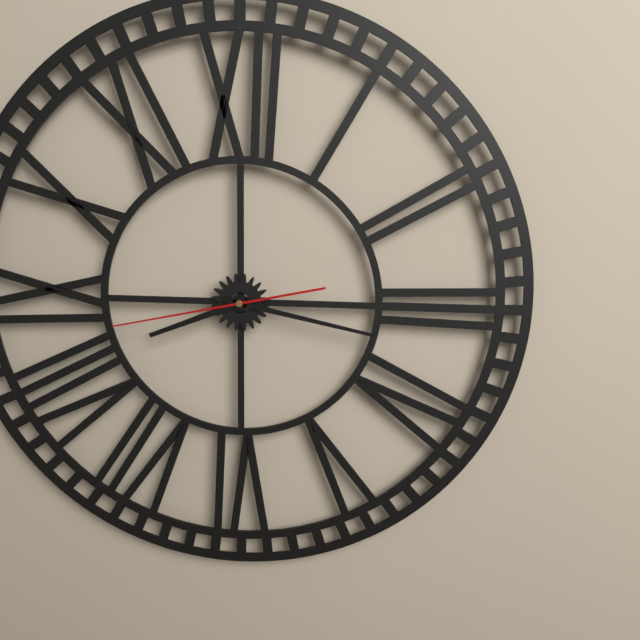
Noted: **8:17:43**
